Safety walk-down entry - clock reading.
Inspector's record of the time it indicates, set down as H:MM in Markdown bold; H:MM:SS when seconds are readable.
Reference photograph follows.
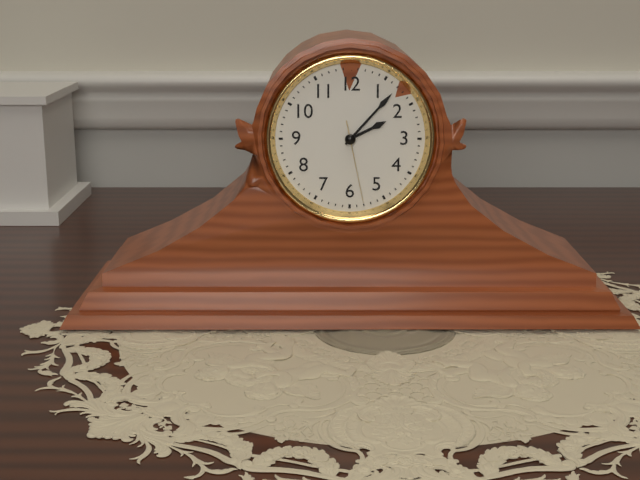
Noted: **2:07:28**
